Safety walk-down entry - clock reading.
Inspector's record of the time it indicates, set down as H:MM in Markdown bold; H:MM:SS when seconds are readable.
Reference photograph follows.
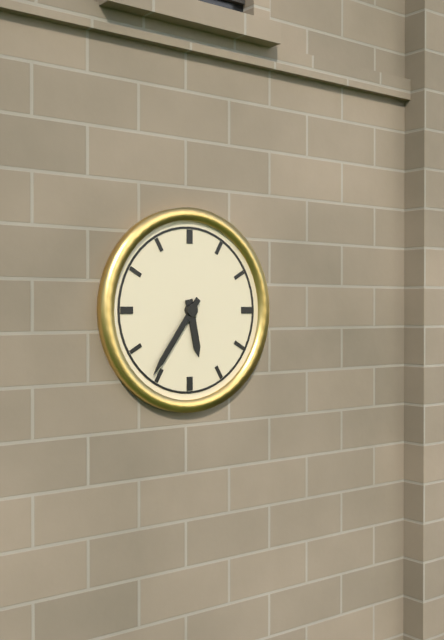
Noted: **5:36**
